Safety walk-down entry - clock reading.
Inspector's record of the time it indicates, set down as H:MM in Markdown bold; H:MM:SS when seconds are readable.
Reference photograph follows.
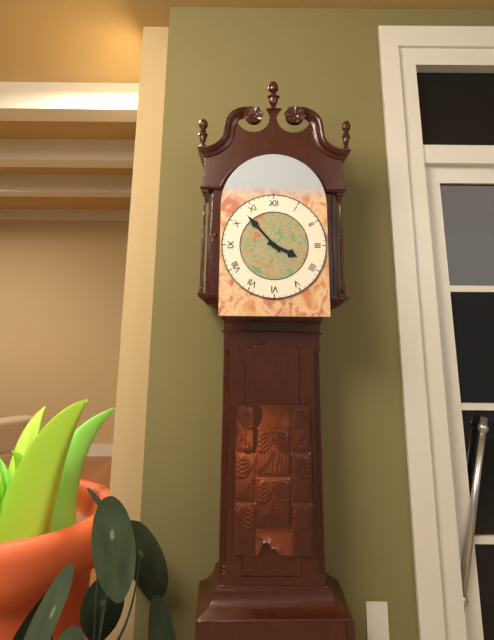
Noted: **3:53**
